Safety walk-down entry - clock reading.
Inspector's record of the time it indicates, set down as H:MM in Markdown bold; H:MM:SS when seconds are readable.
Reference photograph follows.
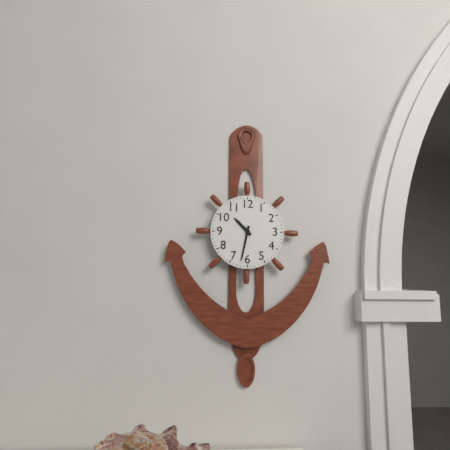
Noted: **10:32**
